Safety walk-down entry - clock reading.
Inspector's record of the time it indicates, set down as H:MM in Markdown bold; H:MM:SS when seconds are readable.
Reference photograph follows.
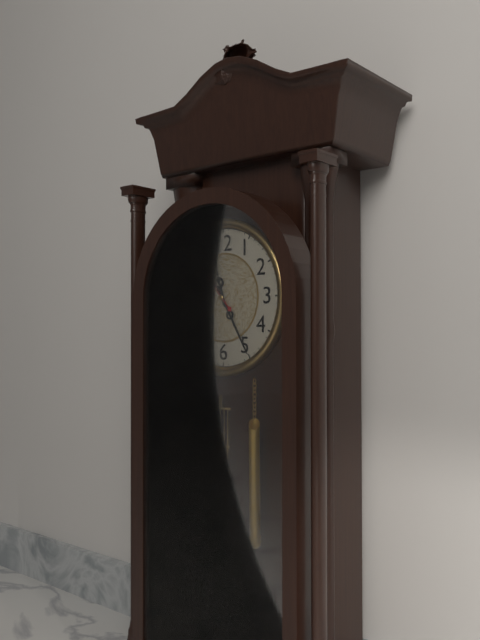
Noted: **11:25:53**
